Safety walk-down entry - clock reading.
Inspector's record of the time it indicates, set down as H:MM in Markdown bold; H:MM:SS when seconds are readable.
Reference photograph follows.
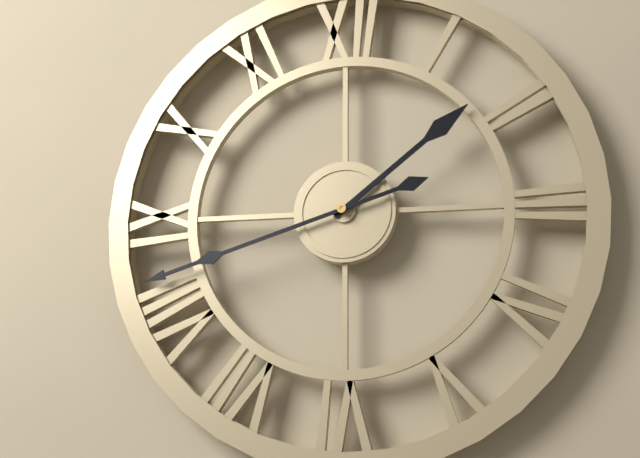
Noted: **1:42**
